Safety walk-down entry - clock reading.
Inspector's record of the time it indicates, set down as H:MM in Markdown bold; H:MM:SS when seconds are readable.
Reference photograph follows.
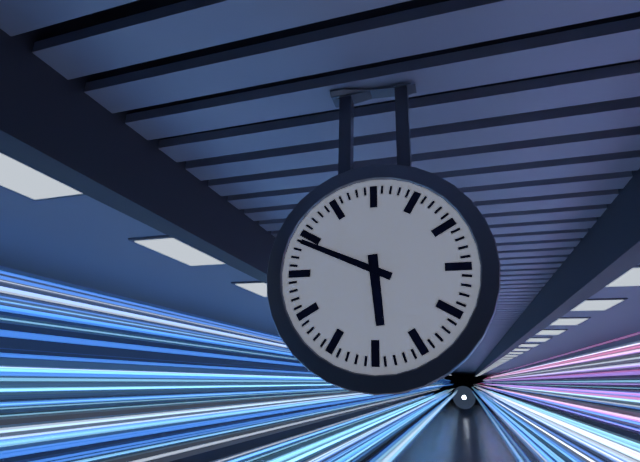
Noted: **5:49**
